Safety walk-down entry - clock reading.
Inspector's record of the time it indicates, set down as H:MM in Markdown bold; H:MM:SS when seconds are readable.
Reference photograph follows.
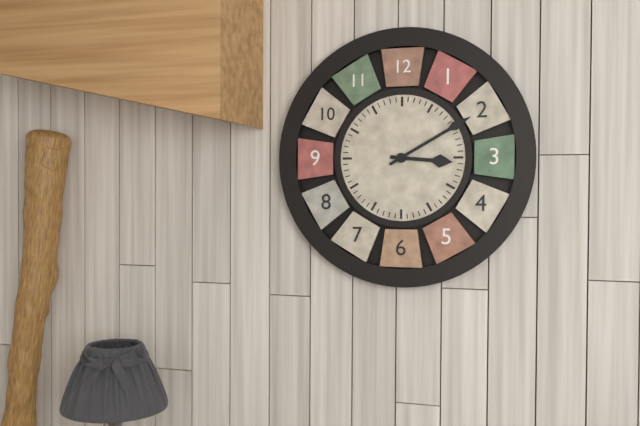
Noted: **3:10**
